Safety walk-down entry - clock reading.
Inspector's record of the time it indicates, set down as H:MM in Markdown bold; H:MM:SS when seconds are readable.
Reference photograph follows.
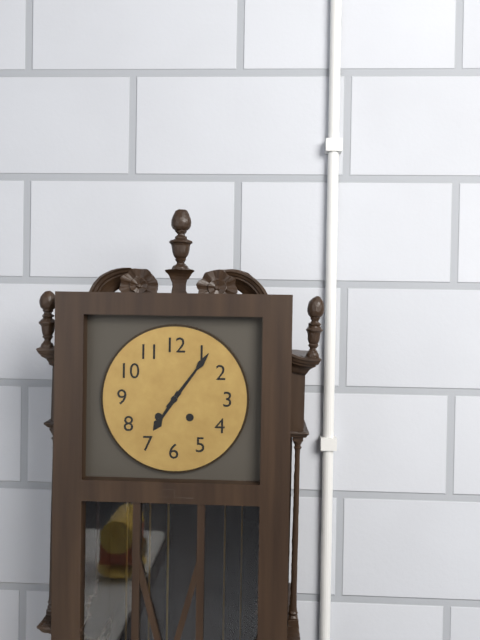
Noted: **7:06**
